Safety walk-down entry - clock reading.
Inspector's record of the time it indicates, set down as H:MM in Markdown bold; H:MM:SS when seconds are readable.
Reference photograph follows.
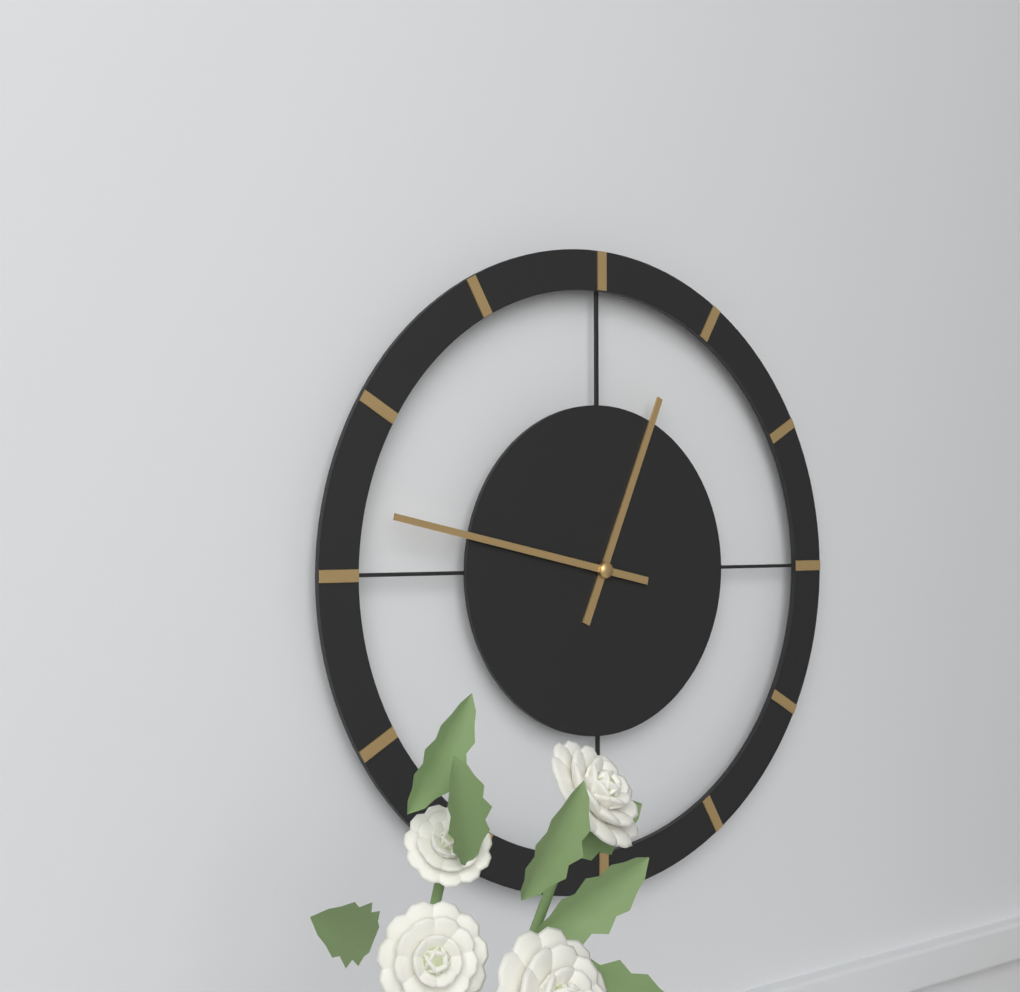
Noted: **12:47**
